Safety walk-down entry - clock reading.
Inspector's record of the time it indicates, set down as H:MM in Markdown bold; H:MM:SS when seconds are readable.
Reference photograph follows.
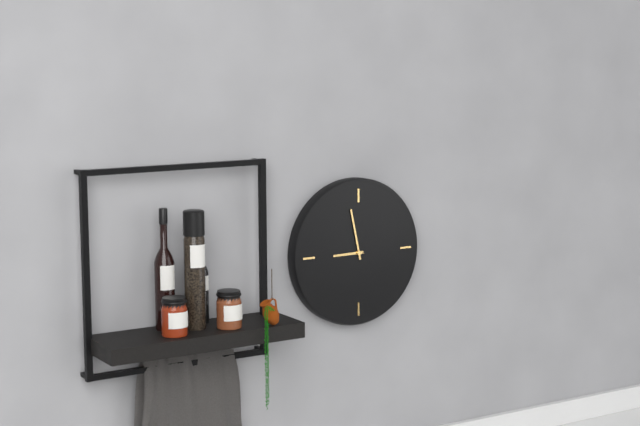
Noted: **8:58**
